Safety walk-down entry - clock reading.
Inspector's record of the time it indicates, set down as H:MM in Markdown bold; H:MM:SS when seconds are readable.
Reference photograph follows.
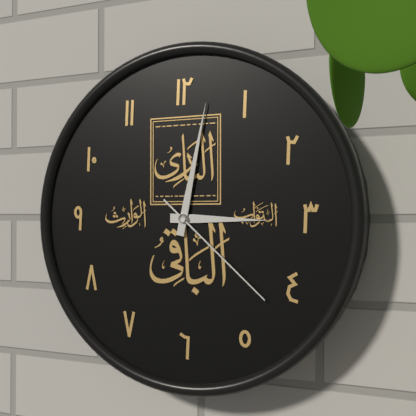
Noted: **3:02:22**
